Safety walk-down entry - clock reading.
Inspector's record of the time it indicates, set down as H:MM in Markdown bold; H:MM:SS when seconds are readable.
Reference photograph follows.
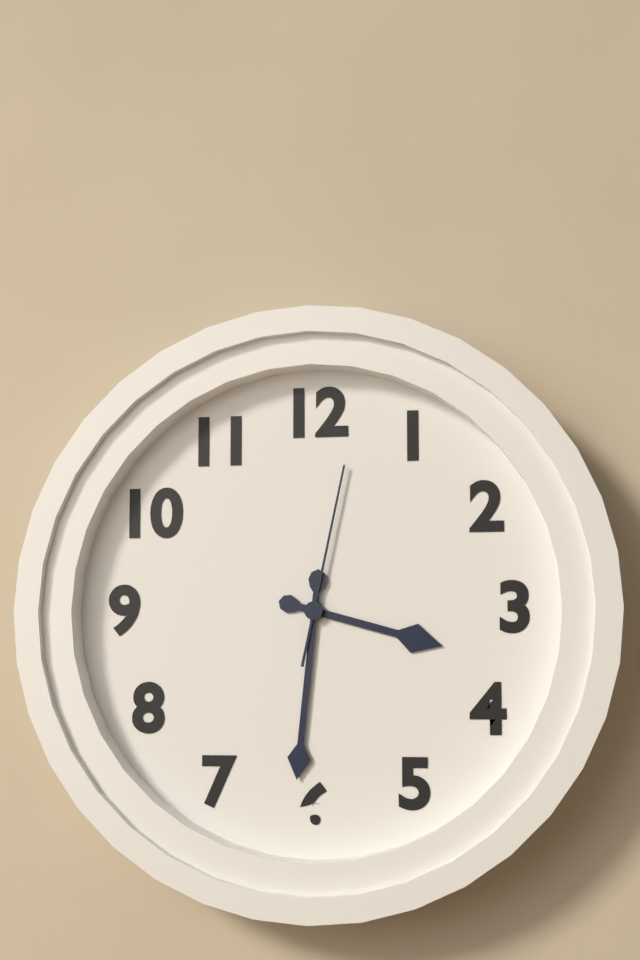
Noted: **3:31:02**
